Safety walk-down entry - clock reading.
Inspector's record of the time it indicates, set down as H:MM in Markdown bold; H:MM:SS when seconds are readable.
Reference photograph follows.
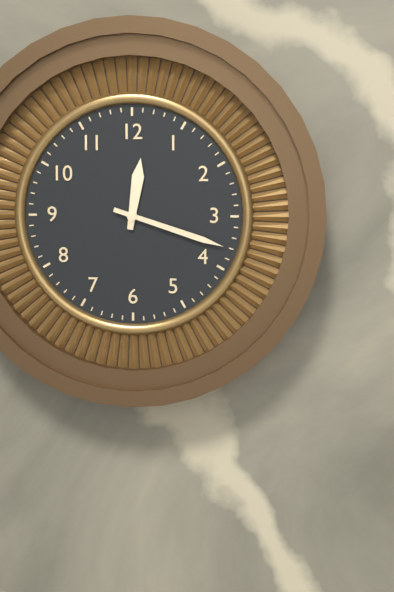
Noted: **12:18**
